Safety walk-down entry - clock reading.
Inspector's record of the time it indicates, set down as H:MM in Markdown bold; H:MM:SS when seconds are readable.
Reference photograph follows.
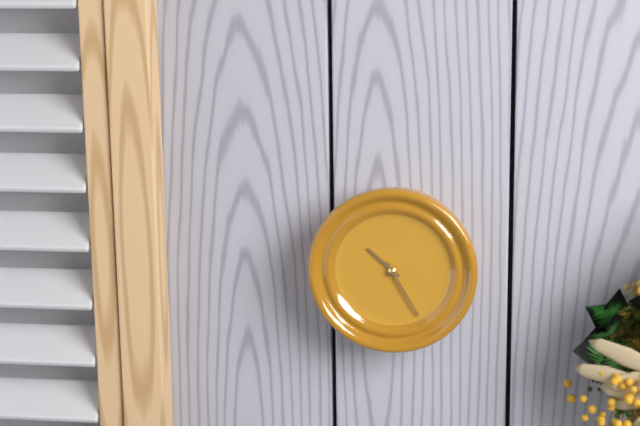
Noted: **10:25**
